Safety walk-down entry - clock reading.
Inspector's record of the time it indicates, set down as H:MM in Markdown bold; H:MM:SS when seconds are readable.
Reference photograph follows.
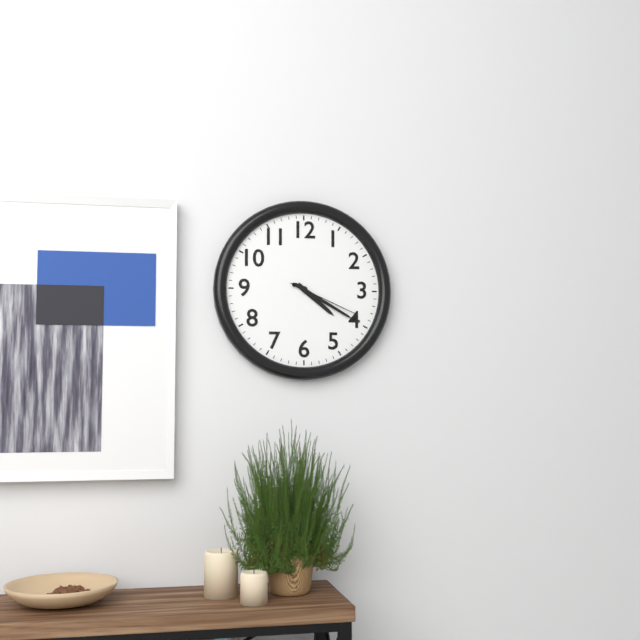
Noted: **4:20:19**
